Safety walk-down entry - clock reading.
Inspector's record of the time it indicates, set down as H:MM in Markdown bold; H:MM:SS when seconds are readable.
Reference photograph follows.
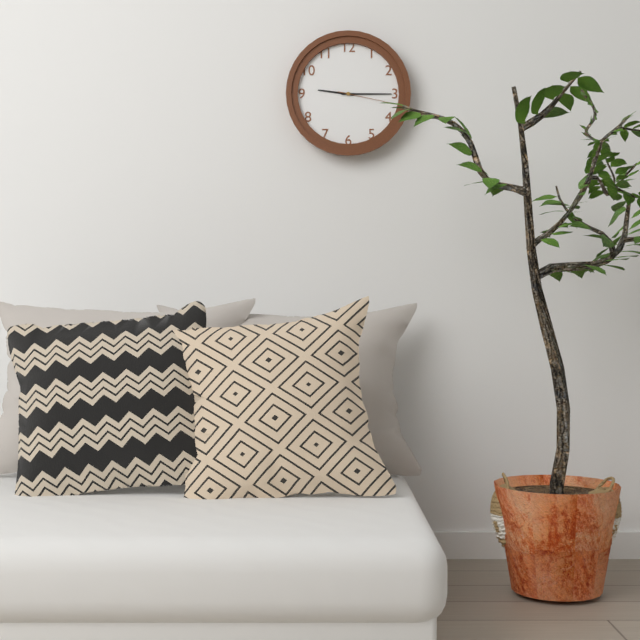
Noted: **9:15:17**
